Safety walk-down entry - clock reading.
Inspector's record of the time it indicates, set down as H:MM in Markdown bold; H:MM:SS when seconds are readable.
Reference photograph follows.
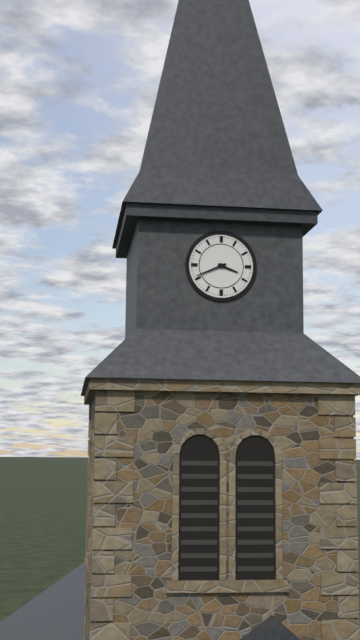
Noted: **3:41**
